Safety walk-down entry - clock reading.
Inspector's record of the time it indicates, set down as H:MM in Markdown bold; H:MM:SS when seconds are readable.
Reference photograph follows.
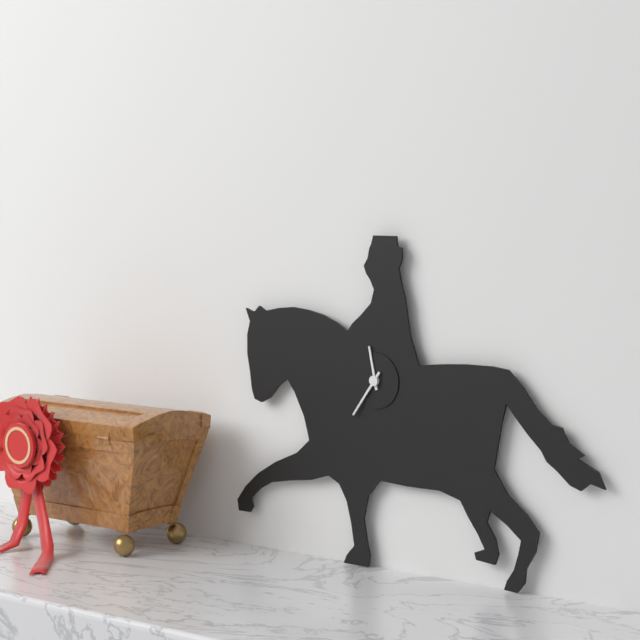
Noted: **11:36**
